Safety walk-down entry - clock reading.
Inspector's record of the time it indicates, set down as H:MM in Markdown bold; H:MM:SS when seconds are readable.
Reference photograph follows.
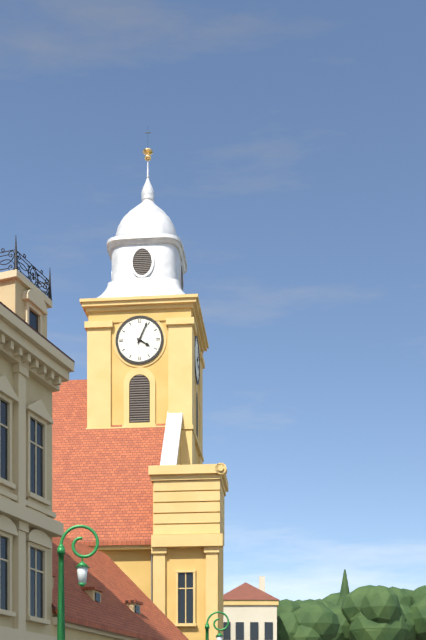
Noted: **4:04**
